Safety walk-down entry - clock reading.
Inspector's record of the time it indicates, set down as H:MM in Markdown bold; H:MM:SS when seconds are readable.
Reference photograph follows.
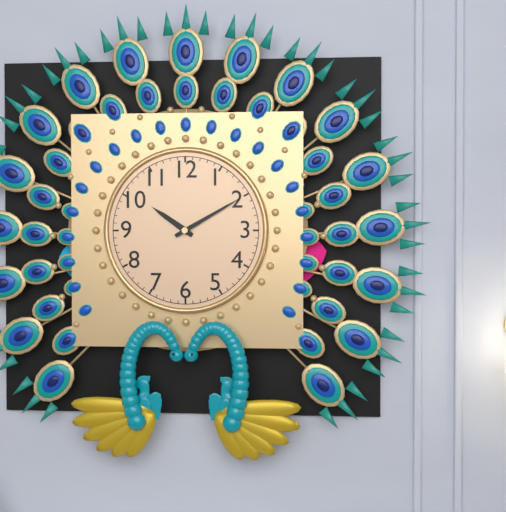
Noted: **10:10**
